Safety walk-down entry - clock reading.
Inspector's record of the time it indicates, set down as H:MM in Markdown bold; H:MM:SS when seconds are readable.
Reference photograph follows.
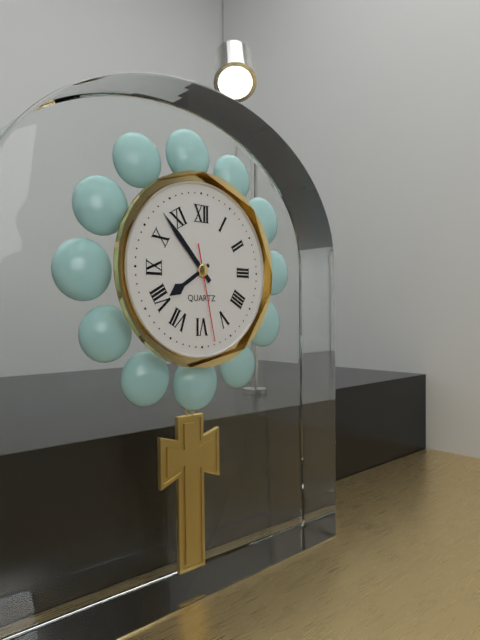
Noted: **7:53:28**
